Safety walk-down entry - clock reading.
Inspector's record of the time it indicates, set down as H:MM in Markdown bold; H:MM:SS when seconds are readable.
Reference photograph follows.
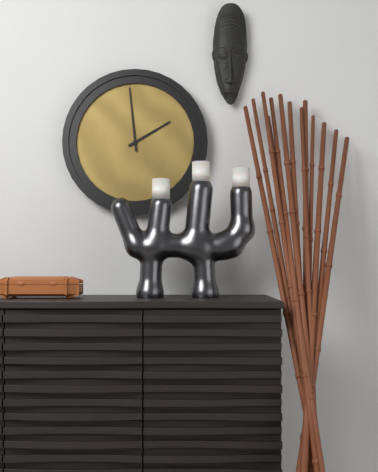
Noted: **1:59**
